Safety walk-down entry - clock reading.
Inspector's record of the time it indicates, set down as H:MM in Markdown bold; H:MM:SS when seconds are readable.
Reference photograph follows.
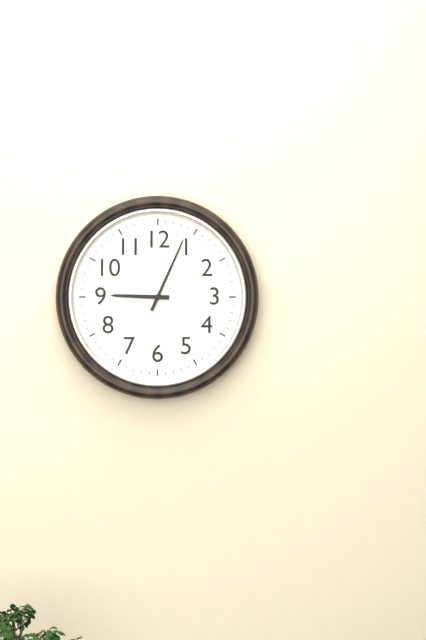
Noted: **9:04**
